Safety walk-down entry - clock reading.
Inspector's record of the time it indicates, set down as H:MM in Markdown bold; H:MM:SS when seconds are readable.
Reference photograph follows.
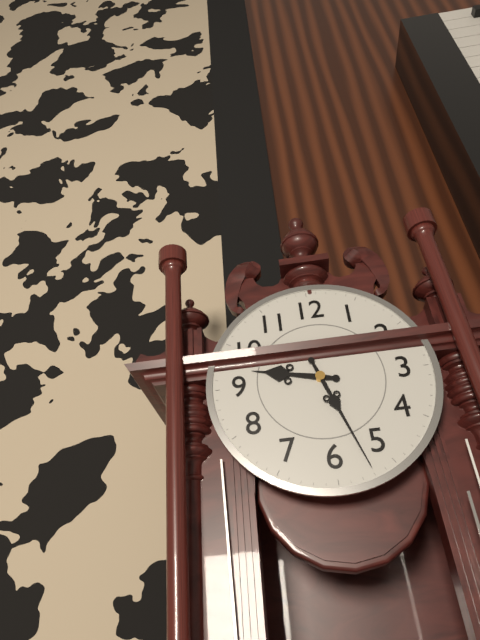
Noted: **9:27**
